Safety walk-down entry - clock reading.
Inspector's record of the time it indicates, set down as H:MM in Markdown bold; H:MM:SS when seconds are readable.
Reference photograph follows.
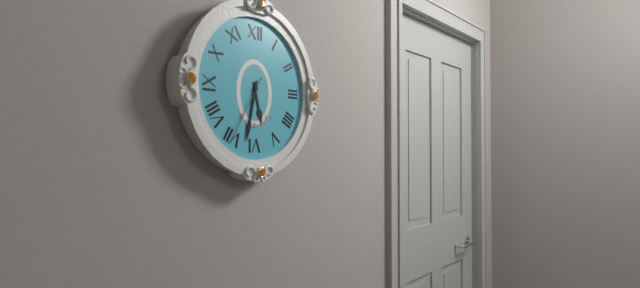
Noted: **5:32:35**
